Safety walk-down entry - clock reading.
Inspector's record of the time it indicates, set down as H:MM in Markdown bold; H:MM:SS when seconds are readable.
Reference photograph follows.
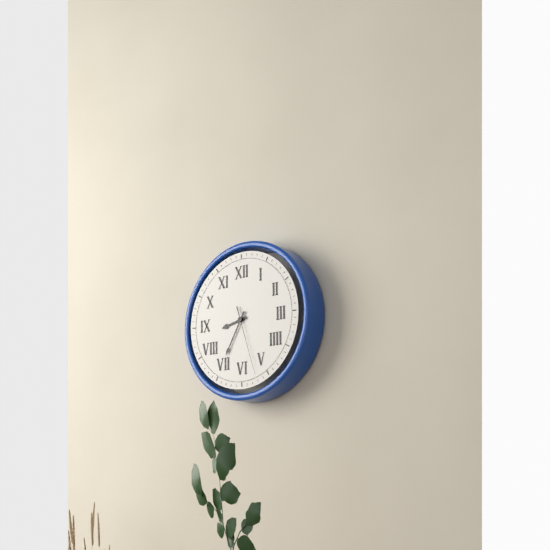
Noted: **8:35:27**
